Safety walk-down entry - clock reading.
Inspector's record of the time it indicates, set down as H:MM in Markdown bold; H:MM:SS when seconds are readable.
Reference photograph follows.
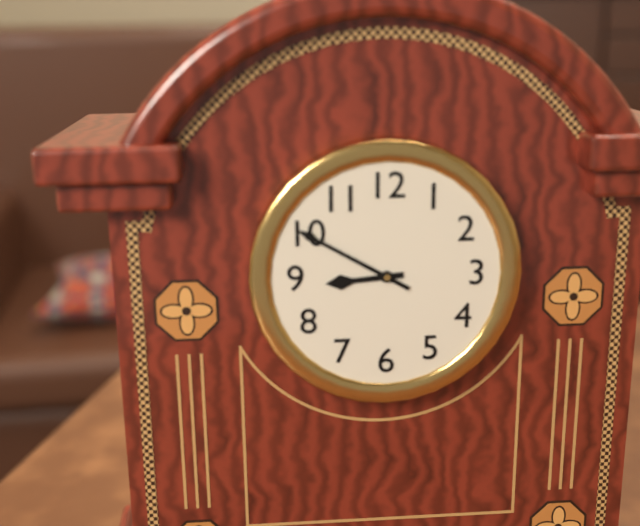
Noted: **8:50**
